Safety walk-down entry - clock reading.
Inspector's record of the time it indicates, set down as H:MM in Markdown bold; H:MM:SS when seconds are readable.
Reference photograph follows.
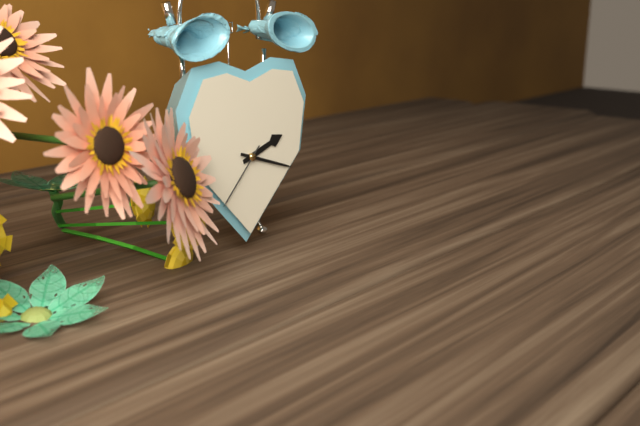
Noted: **2:18:37**
